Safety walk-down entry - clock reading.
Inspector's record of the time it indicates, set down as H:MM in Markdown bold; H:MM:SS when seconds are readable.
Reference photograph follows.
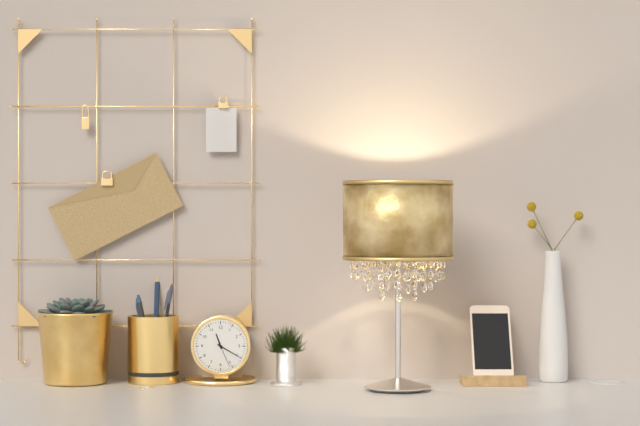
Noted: **11:20**
